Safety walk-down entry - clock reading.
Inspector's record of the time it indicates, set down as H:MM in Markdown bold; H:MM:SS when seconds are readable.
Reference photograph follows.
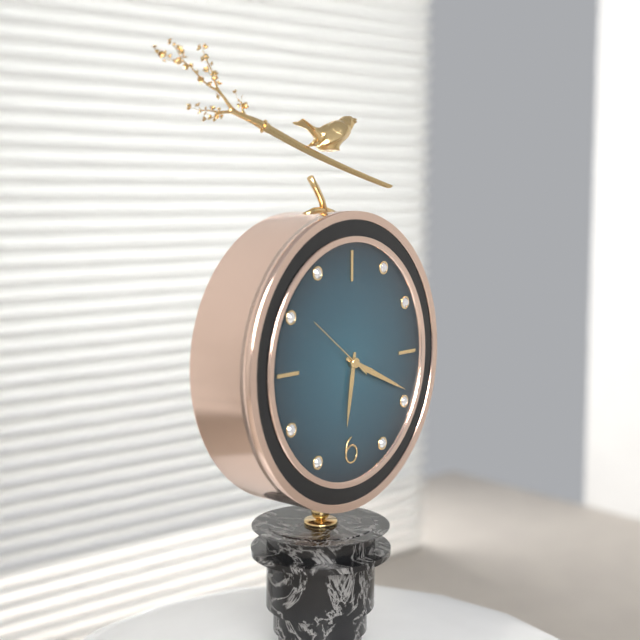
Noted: **6:19**
